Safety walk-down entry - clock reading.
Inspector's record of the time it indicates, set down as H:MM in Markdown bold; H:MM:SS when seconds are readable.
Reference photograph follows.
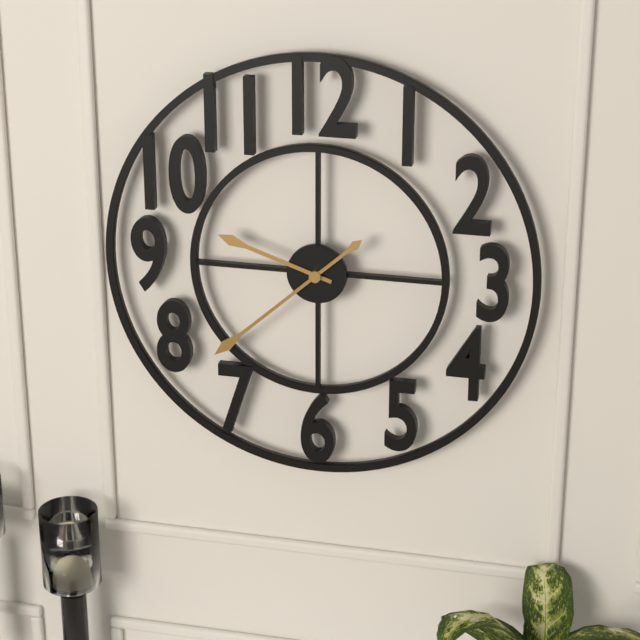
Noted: **9:38**
